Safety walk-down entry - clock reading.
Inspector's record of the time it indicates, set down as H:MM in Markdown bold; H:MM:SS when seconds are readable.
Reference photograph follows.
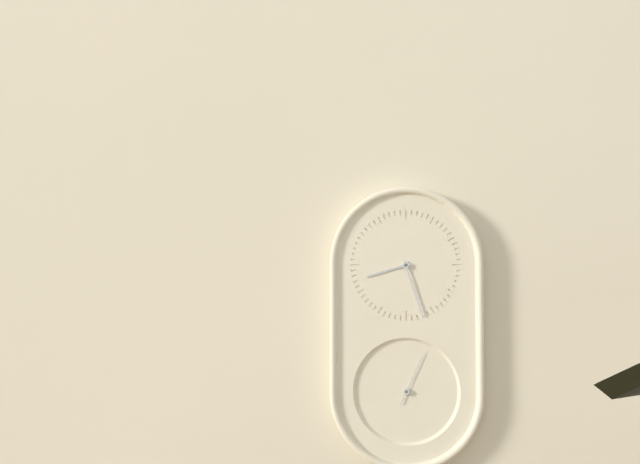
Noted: **8:27:04**
